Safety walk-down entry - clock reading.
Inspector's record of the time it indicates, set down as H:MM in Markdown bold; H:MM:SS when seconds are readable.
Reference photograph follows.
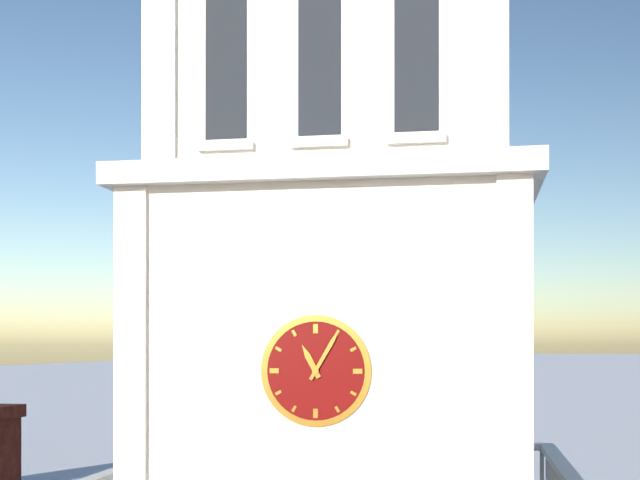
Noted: **11:05**
